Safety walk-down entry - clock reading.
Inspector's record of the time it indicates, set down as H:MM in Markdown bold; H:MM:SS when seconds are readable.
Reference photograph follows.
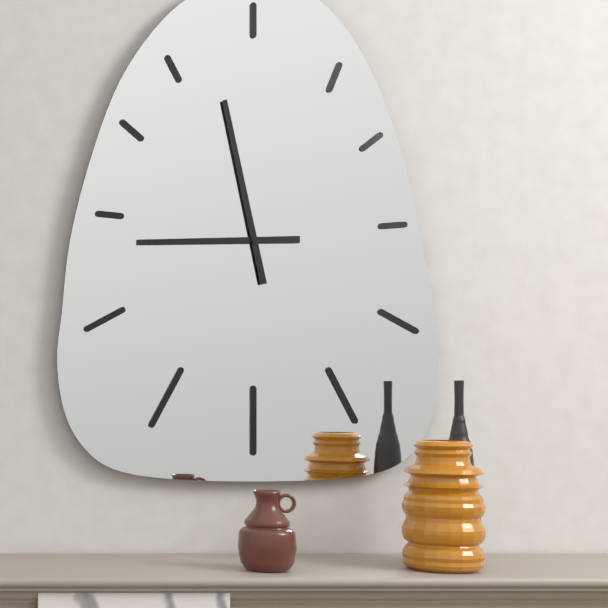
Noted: **8:58**
